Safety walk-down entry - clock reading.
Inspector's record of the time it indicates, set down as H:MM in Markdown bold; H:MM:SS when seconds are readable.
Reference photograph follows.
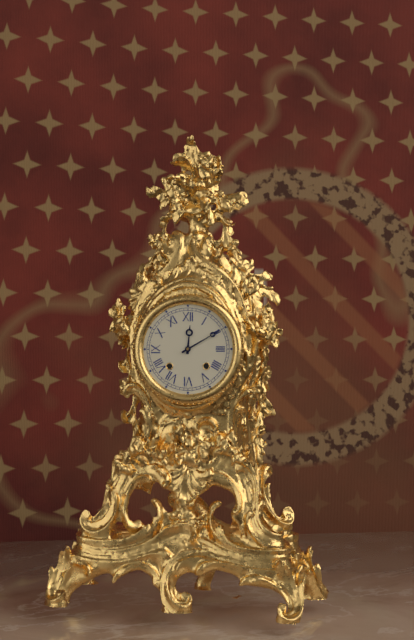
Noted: **12:10**
